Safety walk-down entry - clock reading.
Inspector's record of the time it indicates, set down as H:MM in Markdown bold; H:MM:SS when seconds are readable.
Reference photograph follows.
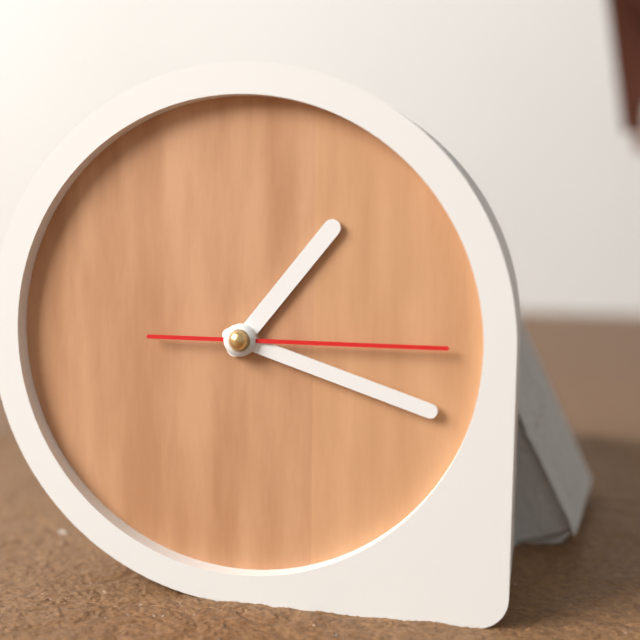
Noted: **1:18:15**
